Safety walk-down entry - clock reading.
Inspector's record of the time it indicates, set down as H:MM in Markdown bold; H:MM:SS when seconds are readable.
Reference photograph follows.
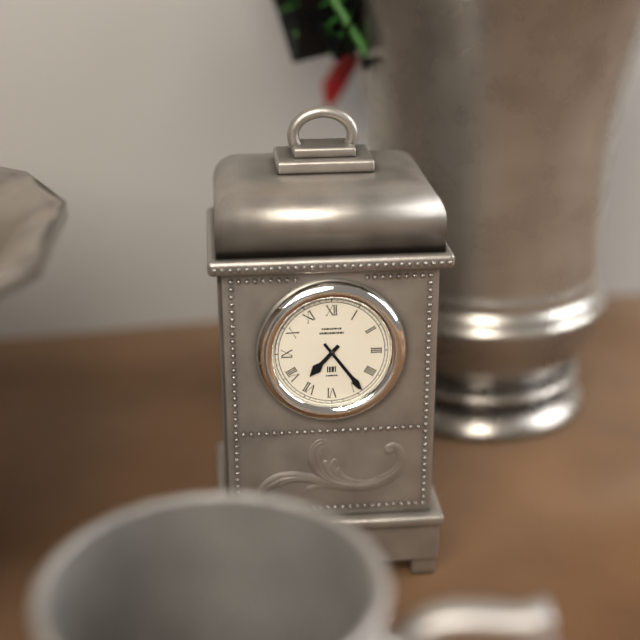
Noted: **7:24**
